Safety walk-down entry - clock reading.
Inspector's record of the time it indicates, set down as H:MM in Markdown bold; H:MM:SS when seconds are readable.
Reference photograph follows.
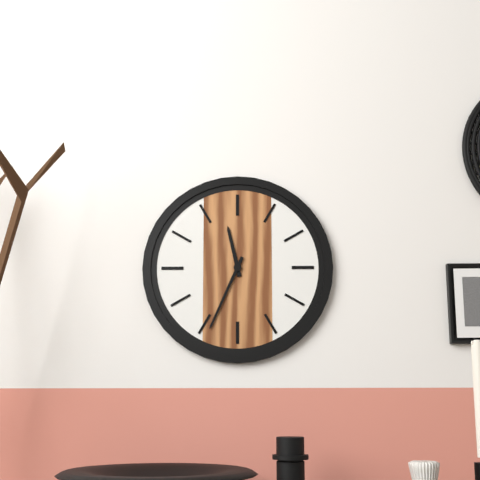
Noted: **11:34**
